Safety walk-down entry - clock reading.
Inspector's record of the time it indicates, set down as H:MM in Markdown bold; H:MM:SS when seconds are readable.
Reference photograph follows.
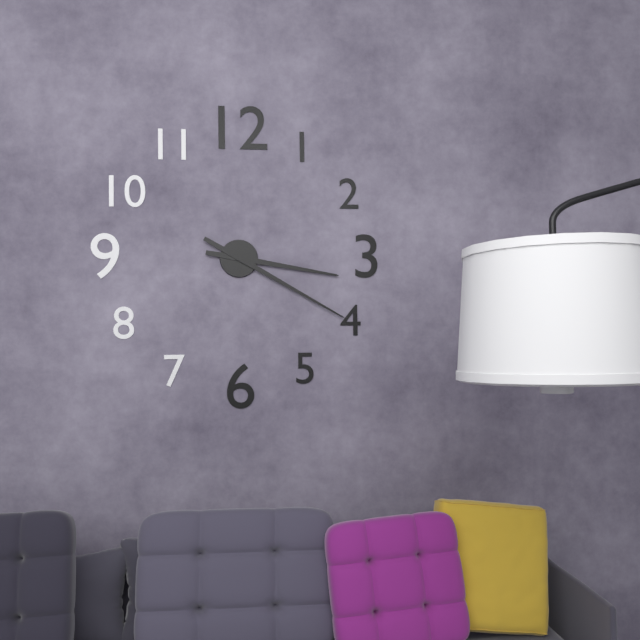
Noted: **3:20**
